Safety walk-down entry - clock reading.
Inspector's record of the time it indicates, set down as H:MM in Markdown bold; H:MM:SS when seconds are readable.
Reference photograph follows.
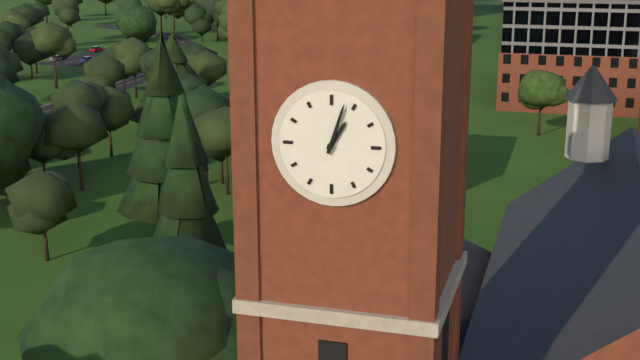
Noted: **1:03**
